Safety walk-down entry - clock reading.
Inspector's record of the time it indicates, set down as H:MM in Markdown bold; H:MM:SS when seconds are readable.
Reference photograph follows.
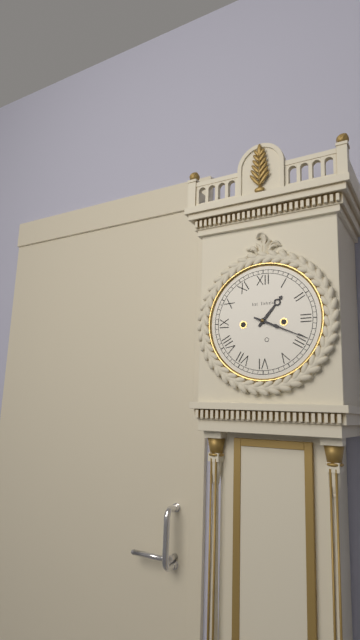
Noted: **1:19**
